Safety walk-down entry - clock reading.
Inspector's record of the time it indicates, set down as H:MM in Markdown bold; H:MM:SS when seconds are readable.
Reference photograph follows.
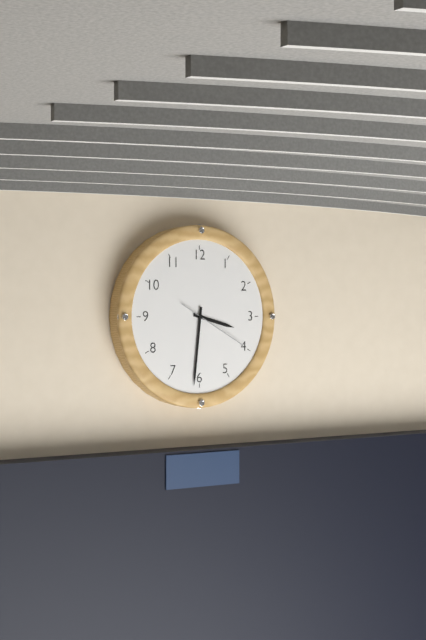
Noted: **3:31:20**
